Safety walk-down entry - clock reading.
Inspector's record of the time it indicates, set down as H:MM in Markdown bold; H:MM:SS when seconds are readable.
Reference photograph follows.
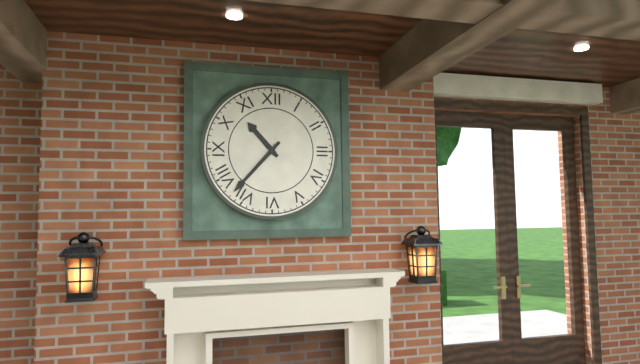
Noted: **10:37**
